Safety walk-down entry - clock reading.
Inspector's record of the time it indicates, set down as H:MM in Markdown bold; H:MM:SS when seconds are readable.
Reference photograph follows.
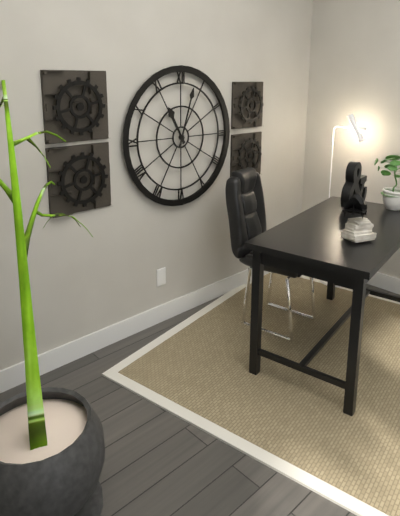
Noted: **11:03**
